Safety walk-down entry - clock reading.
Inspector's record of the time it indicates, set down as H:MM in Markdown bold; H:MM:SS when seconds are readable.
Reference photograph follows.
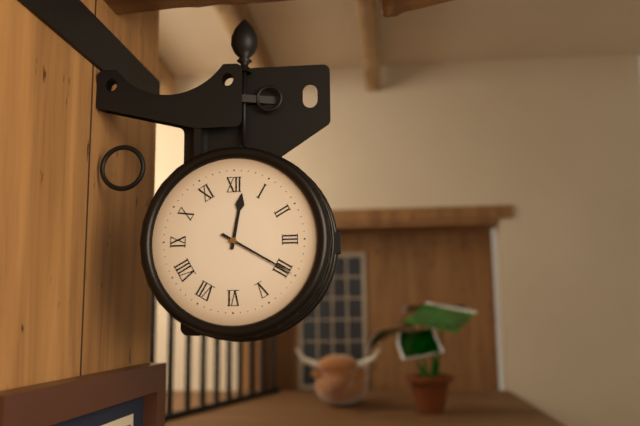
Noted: **12:20**
